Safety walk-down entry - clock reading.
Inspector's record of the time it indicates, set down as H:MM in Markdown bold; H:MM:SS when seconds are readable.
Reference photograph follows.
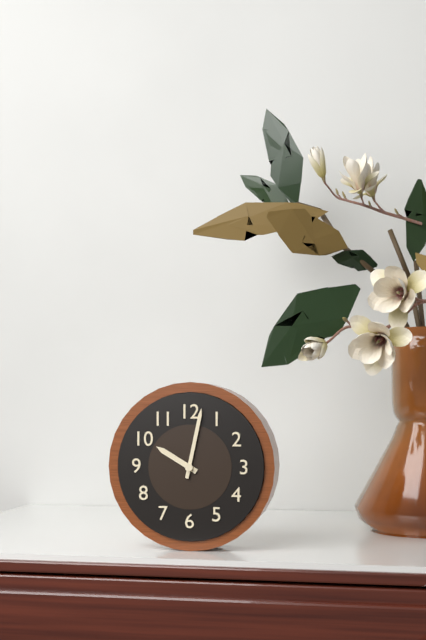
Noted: **10:02**
